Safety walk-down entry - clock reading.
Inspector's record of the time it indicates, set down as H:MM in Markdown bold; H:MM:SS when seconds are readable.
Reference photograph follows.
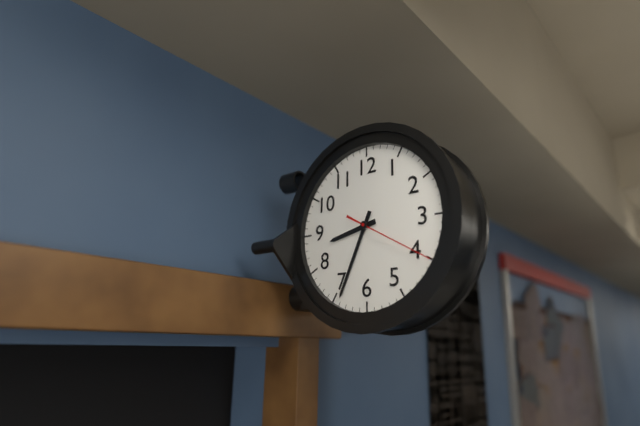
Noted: **8:34:20**
